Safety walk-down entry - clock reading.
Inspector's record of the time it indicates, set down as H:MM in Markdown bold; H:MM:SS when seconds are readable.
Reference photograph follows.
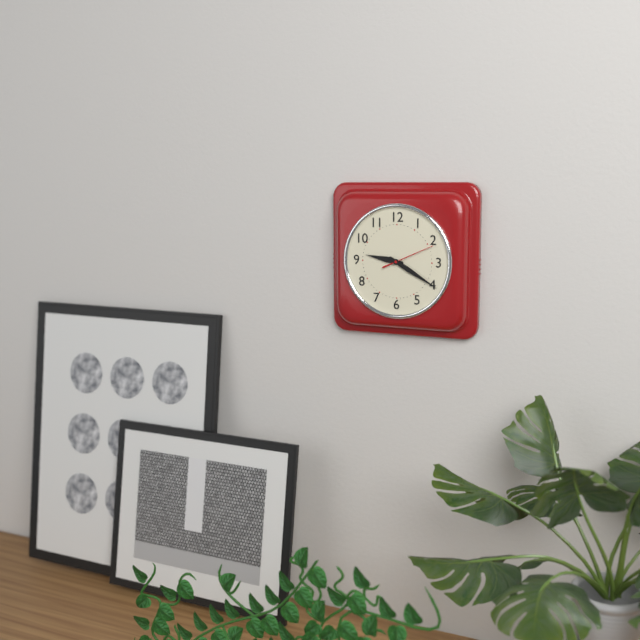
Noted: **9:20:11**
